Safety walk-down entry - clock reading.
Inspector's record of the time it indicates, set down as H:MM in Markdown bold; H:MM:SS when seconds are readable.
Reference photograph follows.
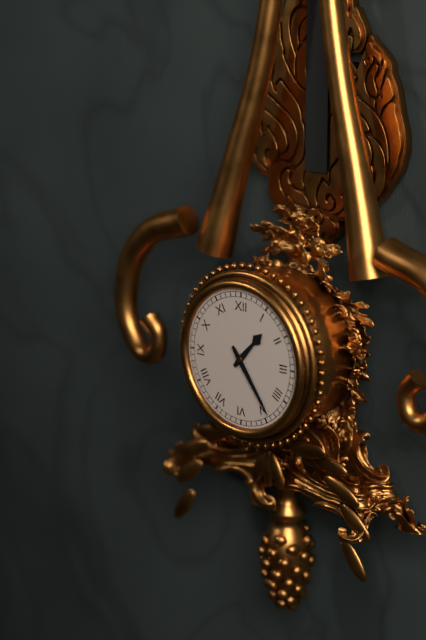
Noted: **1:24**
